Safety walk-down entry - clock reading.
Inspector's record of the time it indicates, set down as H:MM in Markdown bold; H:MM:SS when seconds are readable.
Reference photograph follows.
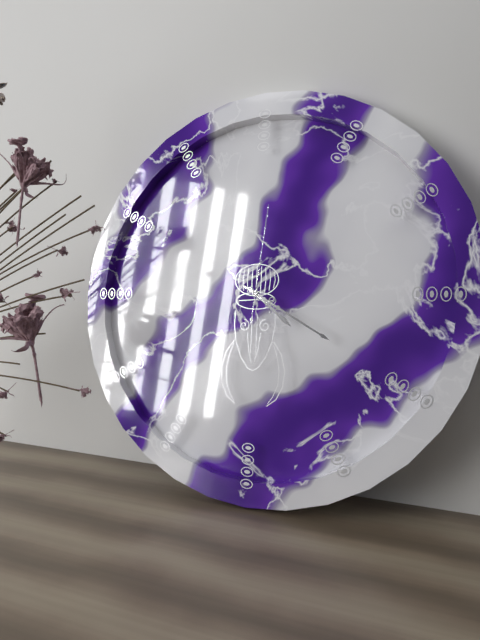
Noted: **4:20:01**
